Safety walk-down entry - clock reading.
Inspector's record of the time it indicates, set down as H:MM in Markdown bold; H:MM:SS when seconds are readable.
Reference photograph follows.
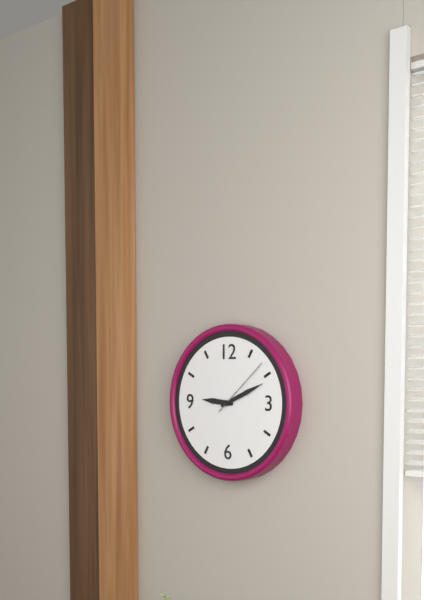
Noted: **9:11:08**
